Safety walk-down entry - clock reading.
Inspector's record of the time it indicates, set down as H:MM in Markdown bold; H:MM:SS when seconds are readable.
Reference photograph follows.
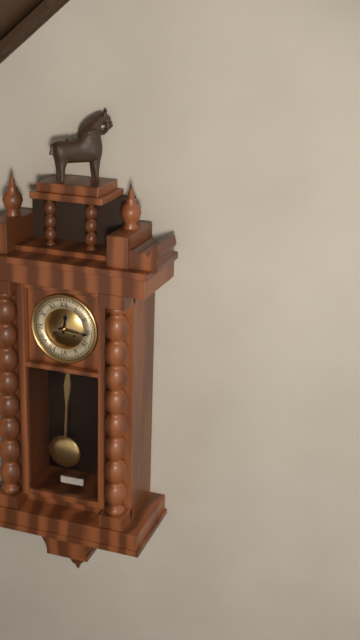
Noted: **12:16**
